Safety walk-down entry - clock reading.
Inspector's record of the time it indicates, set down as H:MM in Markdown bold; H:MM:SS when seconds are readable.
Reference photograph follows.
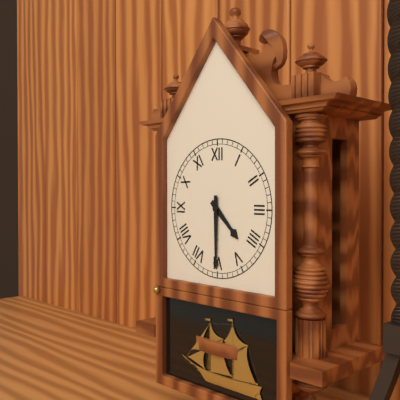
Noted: **4:30**
